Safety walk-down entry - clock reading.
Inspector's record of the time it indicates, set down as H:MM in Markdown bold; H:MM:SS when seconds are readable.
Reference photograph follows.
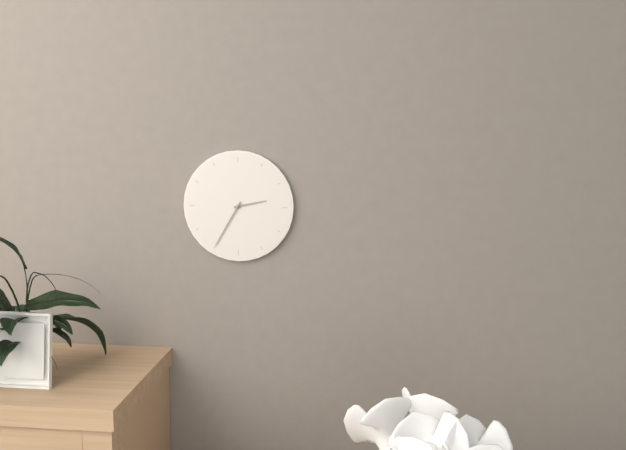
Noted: **2:35**
